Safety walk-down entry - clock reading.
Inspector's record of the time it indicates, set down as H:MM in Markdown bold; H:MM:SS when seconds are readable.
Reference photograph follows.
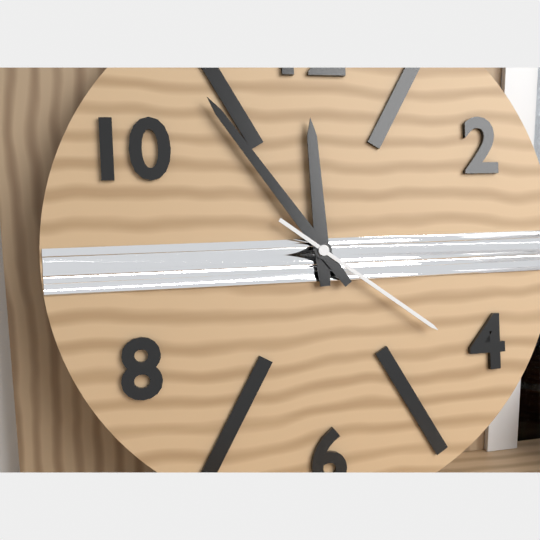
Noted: **11:54:21**
